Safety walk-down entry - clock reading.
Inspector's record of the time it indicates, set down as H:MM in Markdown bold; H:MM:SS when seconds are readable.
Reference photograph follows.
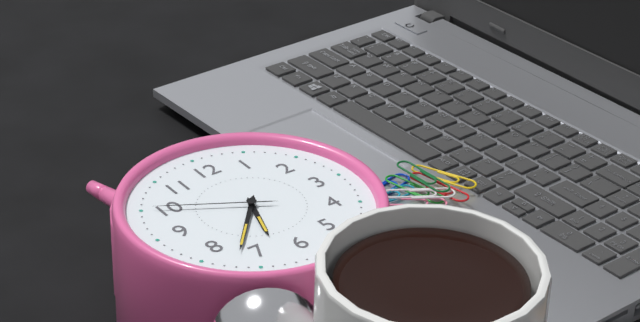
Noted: **6:37:50**
